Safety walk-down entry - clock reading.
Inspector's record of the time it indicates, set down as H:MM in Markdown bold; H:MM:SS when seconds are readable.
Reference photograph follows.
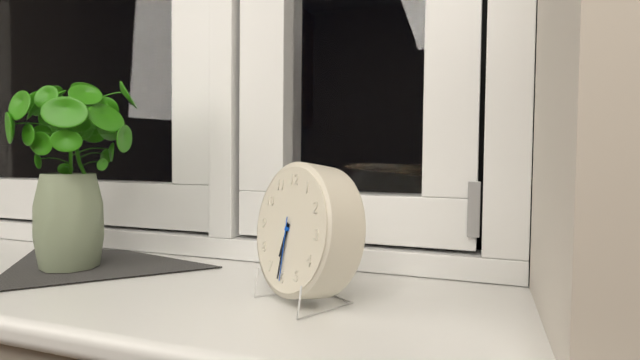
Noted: **6:31:30**
